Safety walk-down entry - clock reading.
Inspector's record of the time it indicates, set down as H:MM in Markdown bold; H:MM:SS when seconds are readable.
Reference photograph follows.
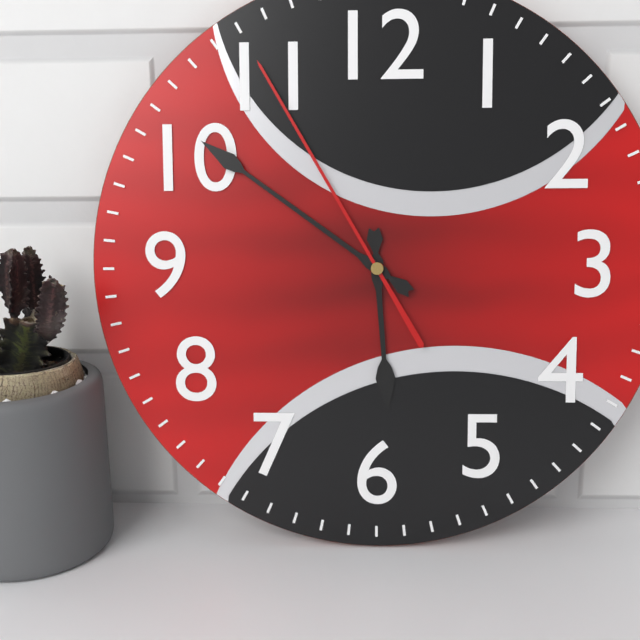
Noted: **5:51:55**
